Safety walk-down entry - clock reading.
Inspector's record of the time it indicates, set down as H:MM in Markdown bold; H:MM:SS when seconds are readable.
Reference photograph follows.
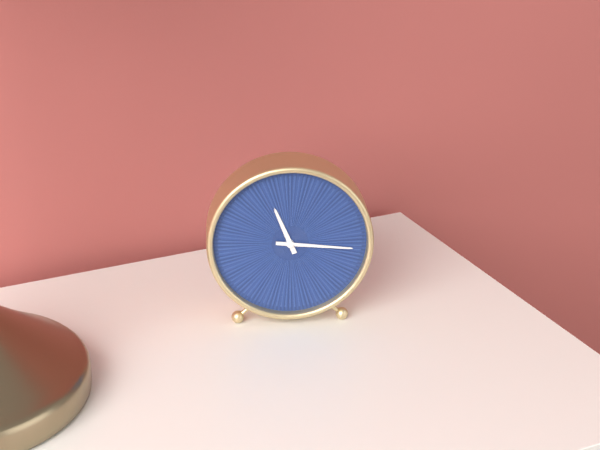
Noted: **11:16**
